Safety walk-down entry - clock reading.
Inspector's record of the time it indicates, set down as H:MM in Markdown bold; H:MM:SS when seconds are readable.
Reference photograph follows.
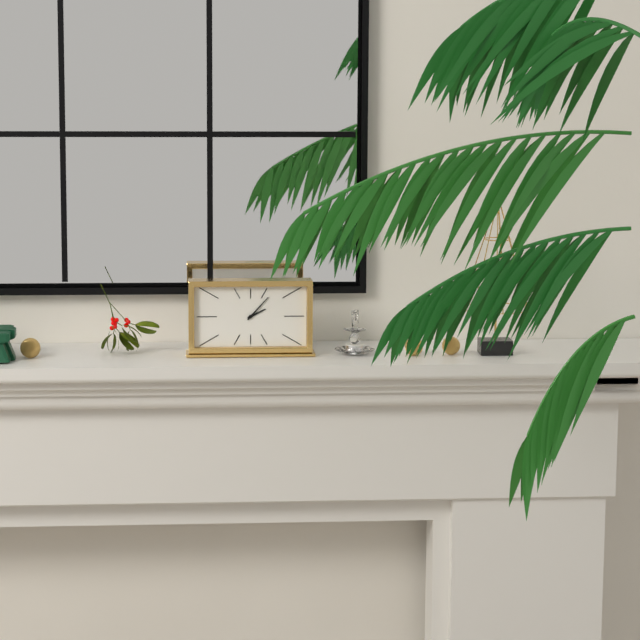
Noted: **2:07**
